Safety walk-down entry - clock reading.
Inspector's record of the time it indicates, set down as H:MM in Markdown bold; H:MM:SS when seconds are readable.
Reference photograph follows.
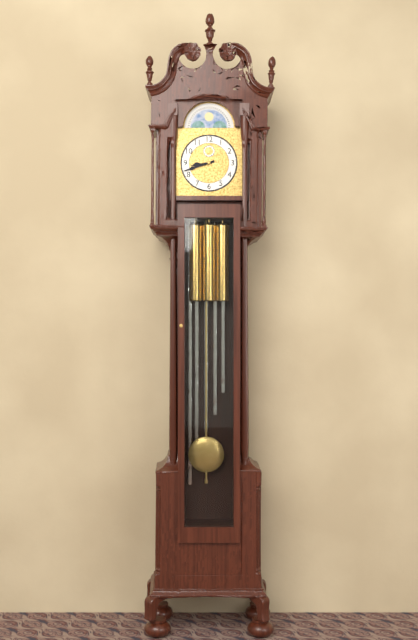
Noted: **8:42**
